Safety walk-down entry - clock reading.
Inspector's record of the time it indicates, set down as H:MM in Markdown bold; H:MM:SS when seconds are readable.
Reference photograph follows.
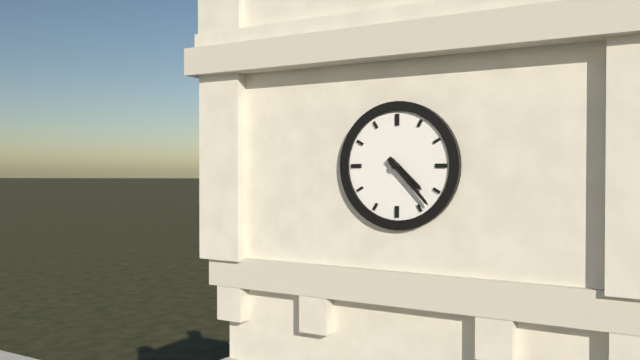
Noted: **4:23**
